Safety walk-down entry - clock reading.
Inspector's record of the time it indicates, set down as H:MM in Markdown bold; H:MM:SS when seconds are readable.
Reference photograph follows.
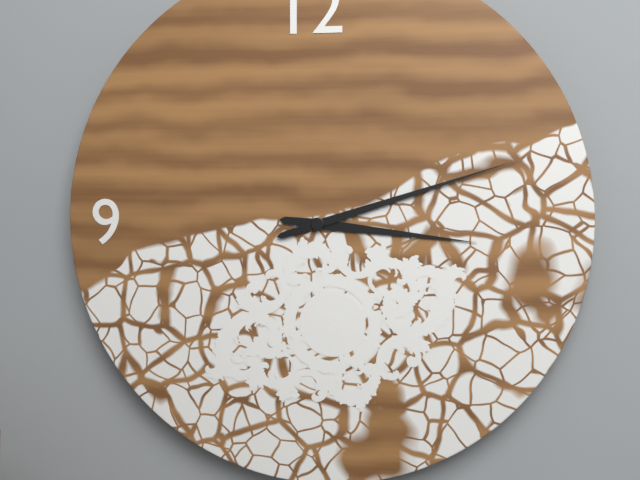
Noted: **3:12**
